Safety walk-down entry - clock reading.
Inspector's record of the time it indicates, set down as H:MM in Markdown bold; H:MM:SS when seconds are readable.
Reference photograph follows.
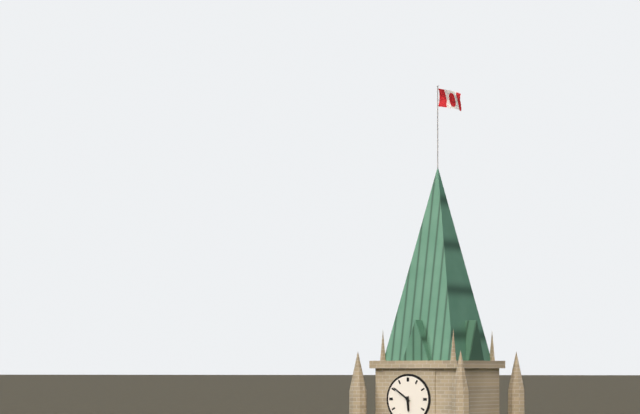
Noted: **5:51**
